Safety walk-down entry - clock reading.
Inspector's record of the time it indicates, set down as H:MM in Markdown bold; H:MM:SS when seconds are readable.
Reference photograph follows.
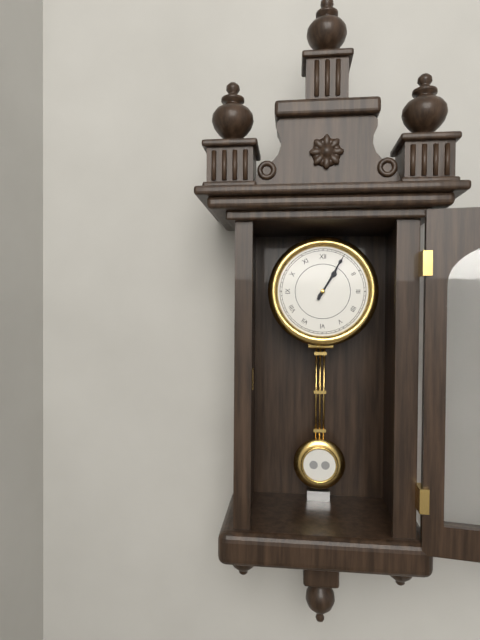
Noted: **1:05**
